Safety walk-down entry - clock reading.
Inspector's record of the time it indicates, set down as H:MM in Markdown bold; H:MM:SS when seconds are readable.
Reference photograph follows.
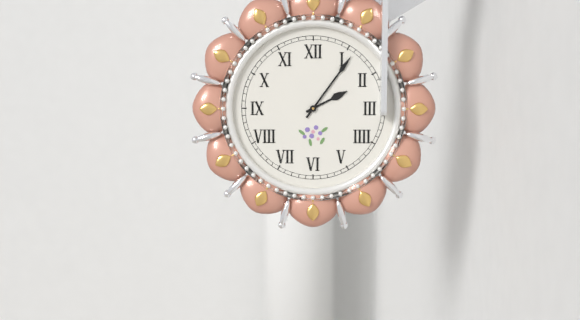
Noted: **2:06**
